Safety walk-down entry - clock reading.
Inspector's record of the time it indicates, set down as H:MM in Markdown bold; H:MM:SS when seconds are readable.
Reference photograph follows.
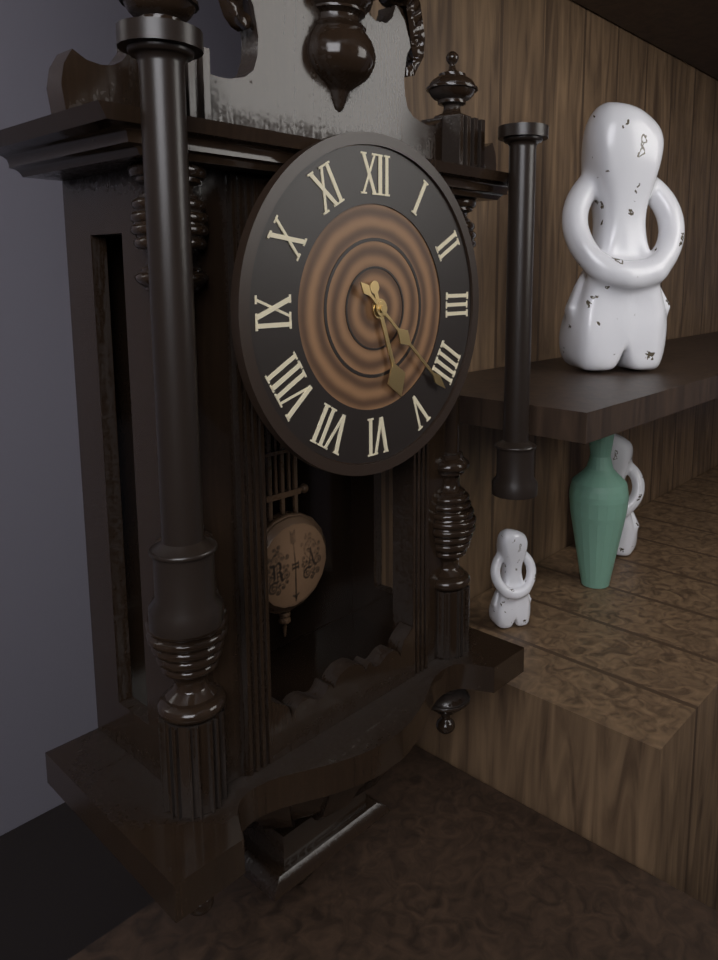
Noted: **5:22**
